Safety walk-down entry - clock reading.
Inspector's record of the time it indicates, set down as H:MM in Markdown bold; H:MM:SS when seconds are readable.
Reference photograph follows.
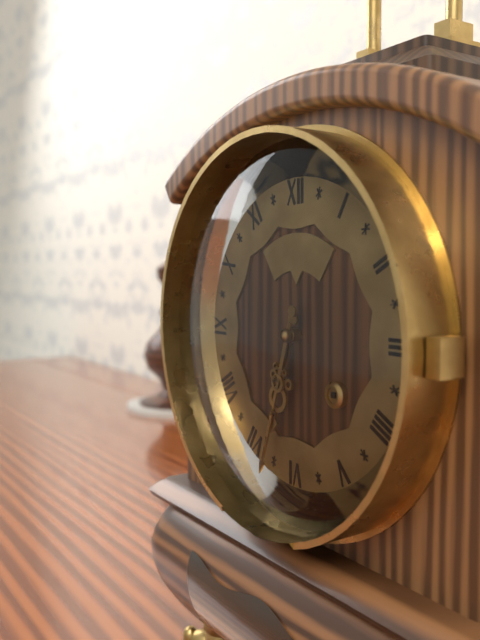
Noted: **6:33**
